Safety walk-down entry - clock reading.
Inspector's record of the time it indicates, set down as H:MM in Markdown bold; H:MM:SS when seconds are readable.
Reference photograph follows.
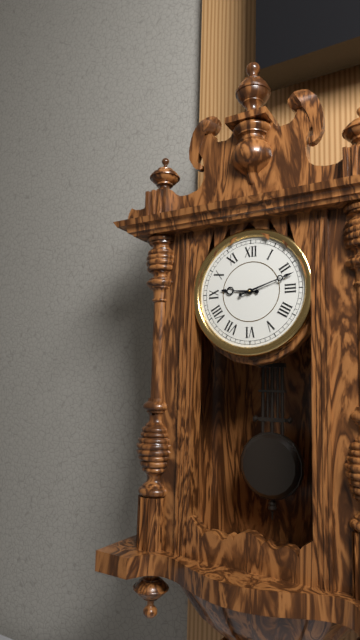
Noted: **9:12**
